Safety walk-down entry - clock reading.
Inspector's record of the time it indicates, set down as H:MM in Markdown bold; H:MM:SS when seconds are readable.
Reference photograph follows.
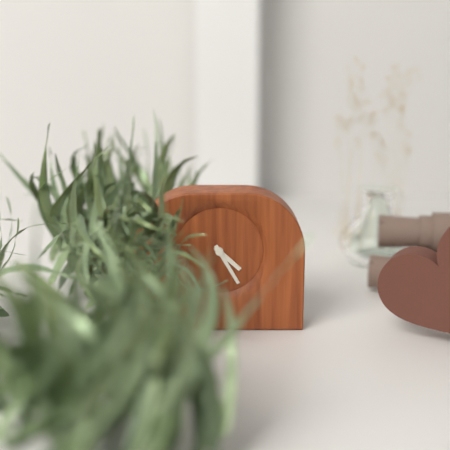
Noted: **4:25**
